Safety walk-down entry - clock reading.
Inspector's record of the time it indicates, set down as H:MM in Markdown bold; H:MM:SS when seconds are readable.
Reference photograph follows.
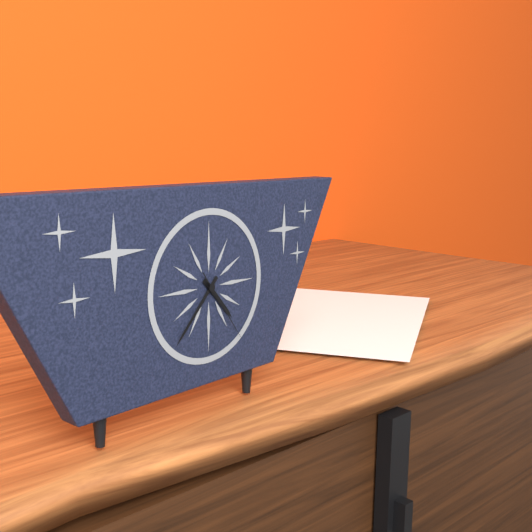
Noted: **4:37:24**
